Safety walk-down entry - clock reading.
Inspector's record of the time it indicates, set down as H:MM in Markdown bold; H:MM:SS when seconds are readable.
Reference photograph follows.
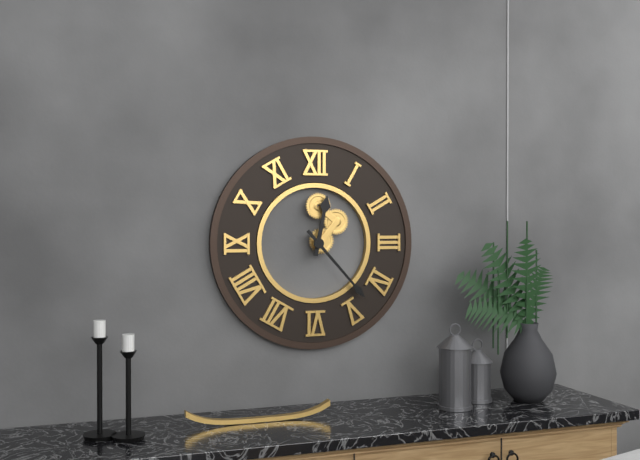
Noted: **12:23**
